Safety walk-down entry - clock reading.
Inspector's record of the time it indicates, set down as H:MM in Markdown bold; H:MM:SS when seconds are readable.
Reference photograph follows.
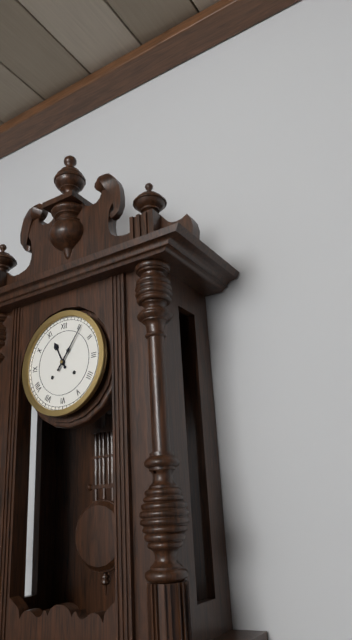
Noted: **11:06**
